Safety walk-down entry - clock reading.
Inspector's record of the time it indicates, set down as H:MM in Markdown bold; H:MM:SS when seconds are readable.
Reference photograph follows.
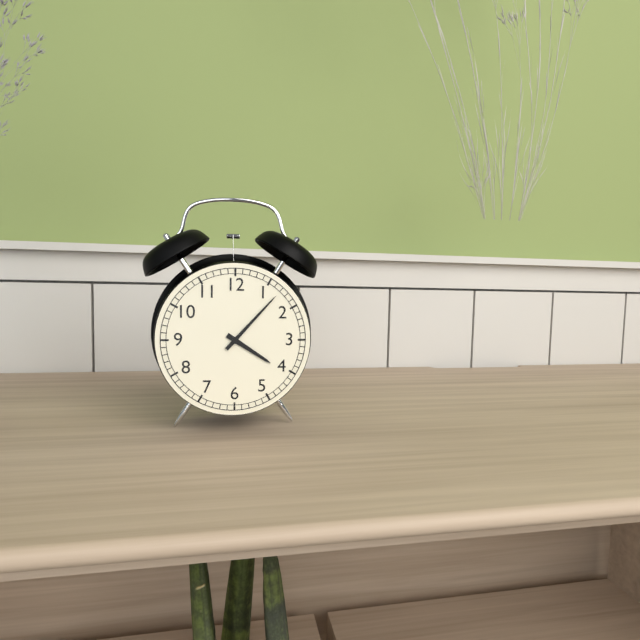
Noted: **4:07**
